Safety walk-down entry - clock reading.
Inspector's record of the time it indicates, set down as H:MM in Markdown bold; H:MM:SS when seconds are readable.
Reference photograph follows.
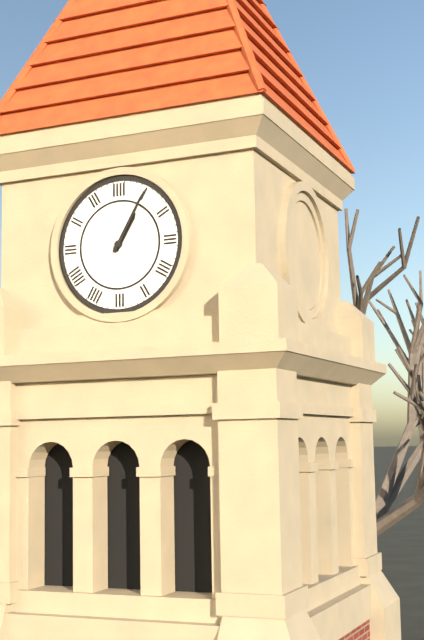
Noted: **1:05**
